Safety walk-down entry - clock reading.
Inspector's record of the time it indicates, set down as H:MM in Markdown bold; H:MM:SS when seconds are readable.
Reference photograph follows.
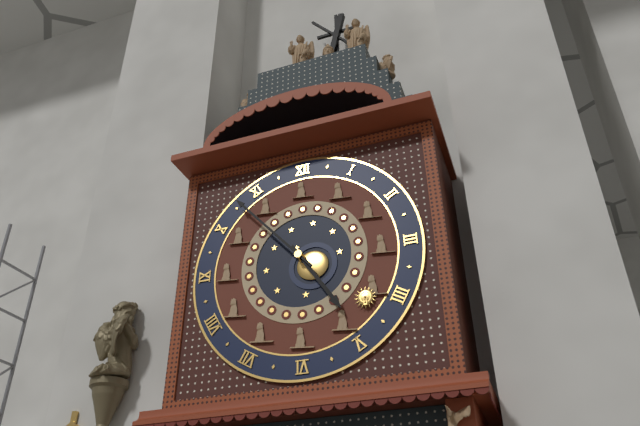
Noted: **4:53**
